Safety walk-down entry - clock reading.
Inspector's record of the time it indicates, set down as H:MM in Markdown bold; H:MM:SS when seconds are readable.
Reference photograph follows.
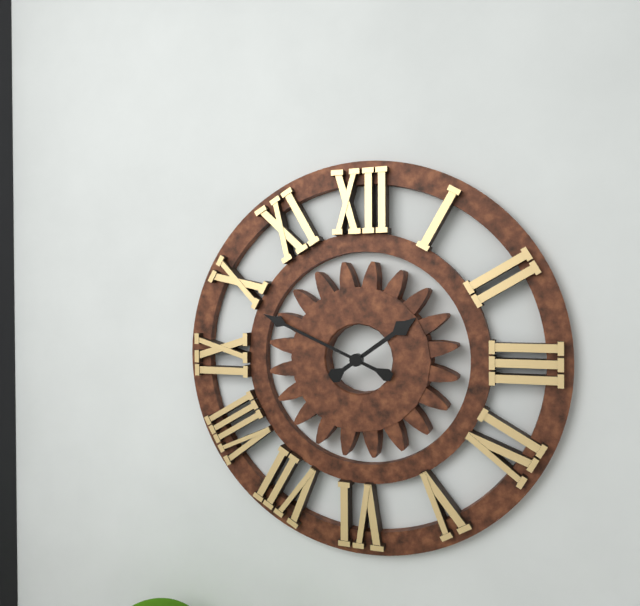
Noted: **1:49**
